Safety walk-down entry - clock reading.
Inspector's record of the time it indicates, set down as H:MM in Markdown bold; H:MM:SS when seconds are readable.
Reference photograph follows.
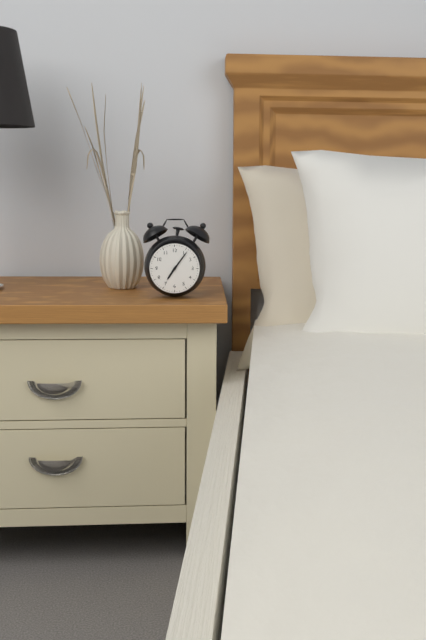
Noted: **7:06**
